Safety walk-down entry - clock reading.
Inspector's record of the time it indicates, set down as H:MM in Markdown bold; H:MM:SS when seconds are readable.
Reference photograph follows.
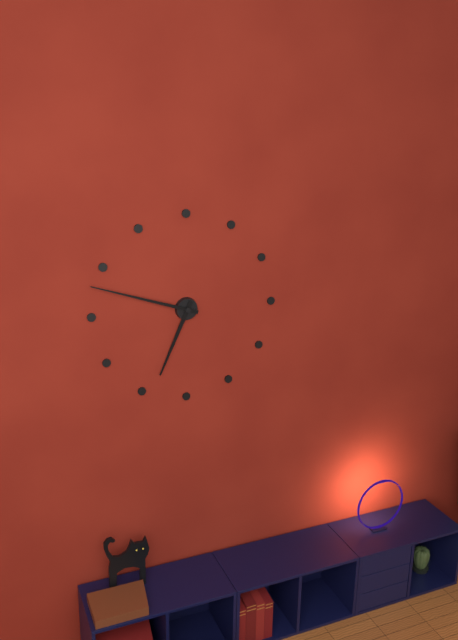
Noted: **6:48**
